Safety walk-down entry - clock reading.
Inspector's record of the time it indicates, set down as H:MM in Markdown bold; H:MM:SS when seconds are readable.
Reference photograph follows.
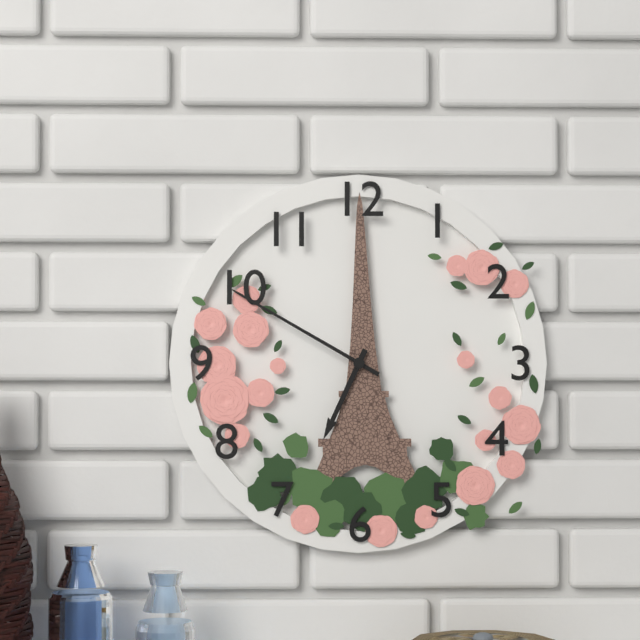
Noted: **6:50**
